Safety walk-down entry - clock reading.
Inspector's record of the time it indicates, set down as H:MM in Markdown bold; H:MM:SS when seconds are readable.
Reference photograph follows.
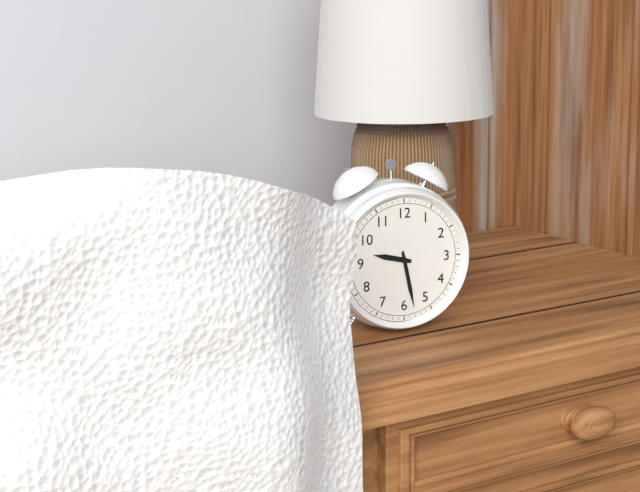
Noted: **9:28**
